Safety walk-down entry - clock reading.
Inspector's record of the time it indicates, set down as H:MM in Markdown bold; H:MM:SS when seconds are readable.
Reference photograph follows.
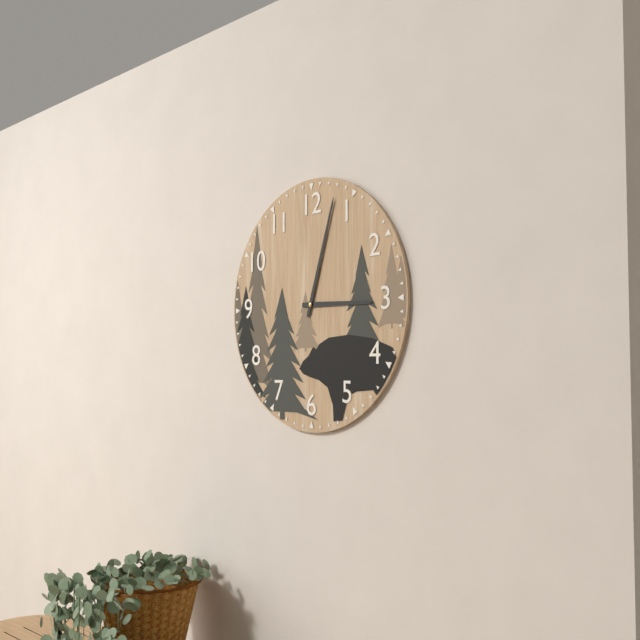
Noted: **3:03**
